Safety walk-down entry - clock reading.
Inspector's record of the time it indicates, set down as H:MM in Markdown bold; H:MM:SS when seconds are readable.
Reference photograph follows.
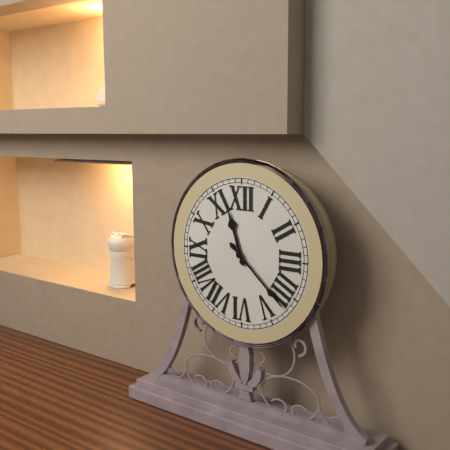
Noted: **11:22**
